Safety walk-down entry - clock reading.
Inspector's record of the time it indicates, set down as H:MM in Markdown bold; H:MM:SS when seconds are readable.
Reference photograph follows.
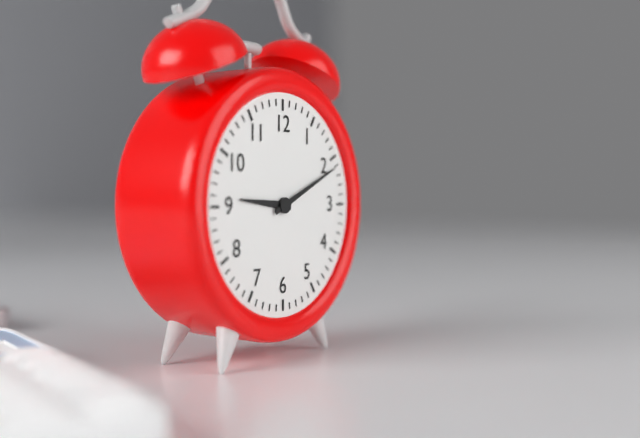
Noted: **9:11**
